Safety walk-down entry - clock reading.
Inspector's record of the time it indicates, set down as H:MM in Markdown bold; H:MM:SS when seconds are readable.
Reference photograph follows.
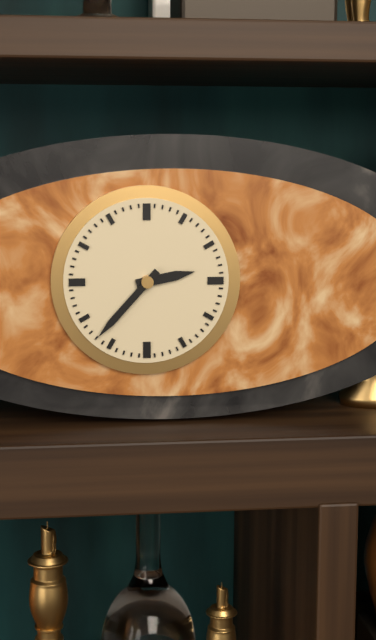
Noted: **2:37**
